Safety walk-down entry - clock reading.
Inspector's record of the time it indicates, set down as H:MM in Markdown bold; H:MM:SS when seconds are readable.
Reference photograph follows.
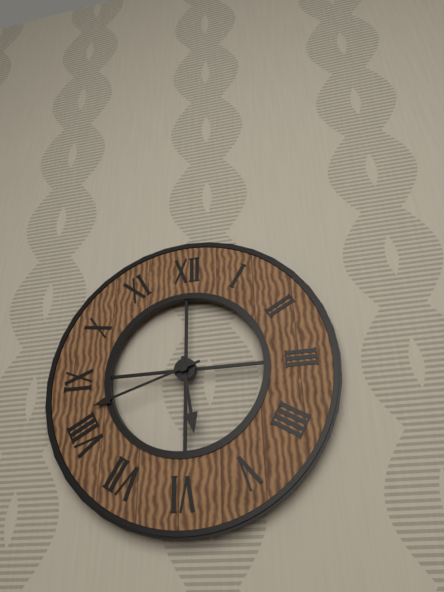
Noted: **5:42**
